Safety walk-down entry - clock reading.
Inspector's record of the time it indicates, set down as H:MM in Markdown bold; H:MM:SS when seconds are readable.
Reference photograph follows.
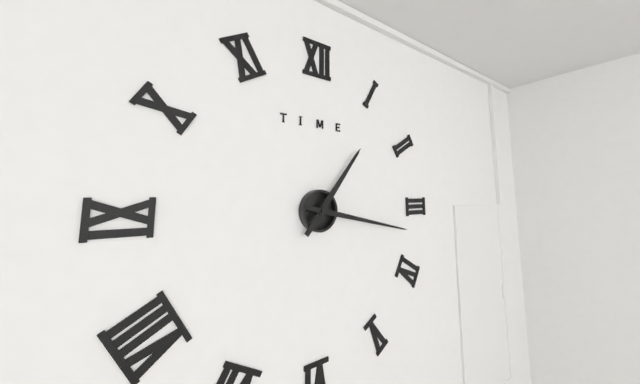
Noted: **1:17**
